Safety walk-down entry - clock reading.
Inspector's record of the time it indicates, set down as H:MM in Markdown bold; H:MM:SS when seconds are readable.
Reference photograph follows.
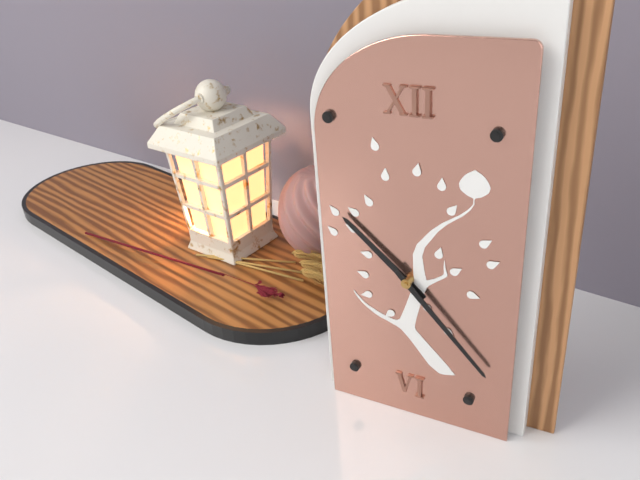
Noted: **10:23**
